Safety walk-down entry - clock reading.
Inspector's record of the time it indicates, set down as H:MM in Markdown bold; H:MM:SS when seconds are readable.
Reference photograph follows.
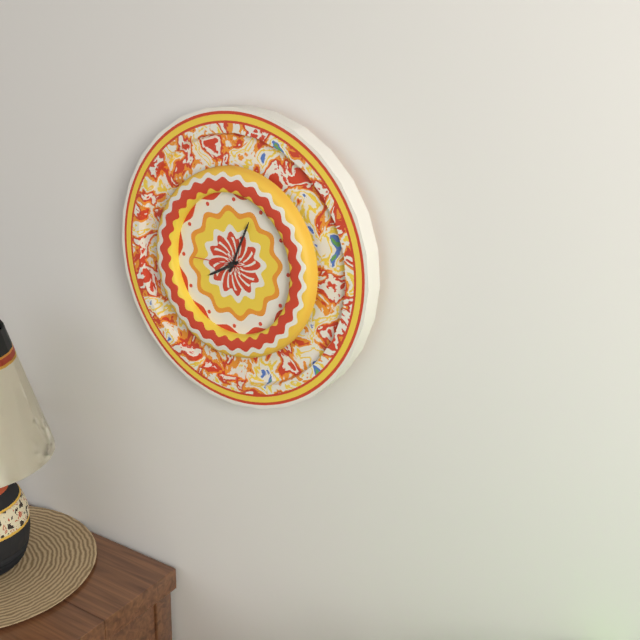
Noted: **8:04**
